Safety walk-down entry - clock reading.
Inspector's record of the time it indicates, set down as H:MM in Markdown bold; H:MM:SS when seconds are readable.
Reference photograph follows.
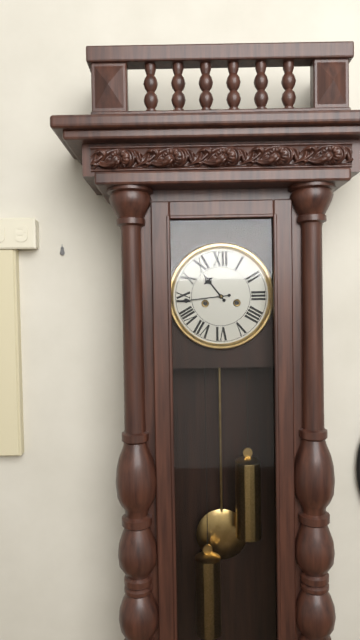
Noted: **10:44**
